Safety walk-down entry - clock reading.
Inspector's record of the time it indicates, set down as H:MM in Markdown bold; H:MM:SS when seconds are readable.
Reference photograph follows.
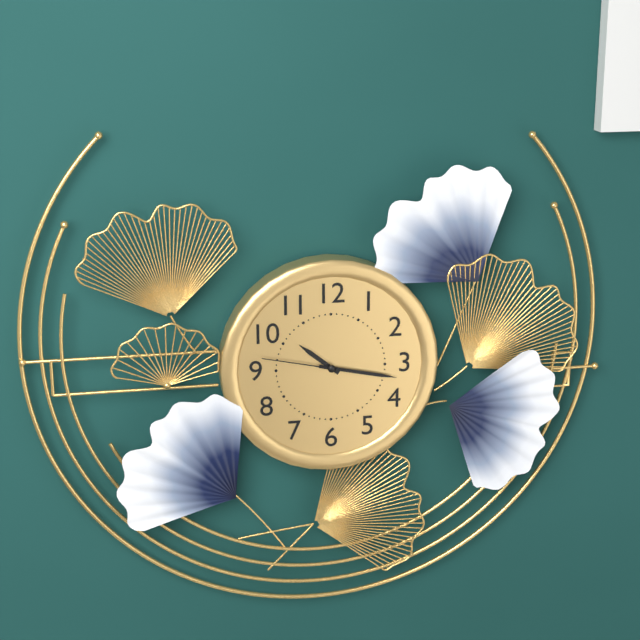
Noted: **10:17:47**
